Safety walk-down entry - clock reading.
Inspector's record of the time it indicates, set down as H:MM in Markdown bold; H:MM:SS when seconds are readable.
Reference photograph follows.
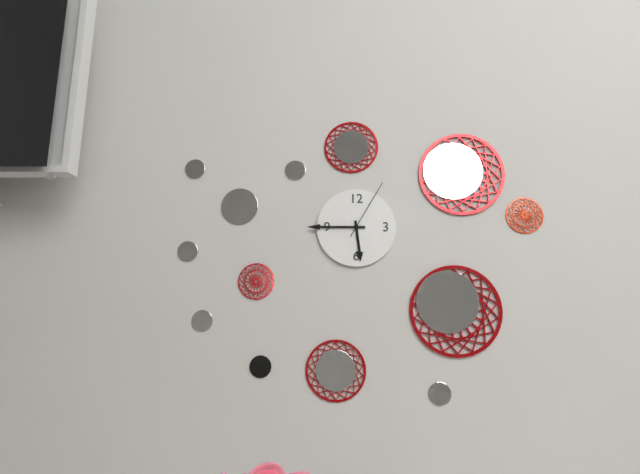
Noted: **5:45:05**
